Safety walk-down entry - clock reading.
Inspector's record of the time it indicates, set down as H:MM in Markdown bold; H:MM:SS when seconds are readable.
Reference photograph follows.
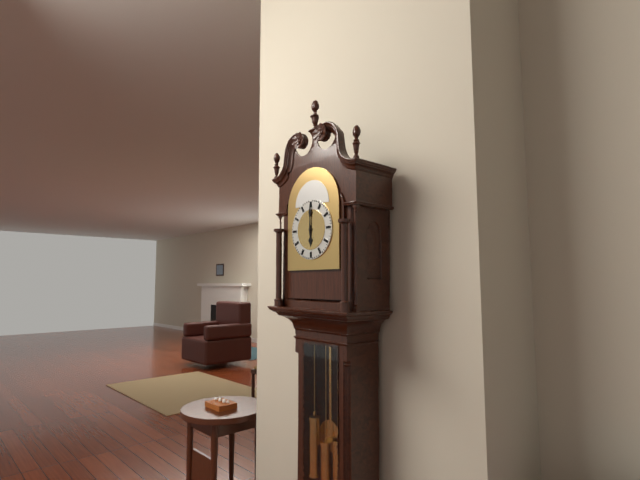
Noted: **6:00**
